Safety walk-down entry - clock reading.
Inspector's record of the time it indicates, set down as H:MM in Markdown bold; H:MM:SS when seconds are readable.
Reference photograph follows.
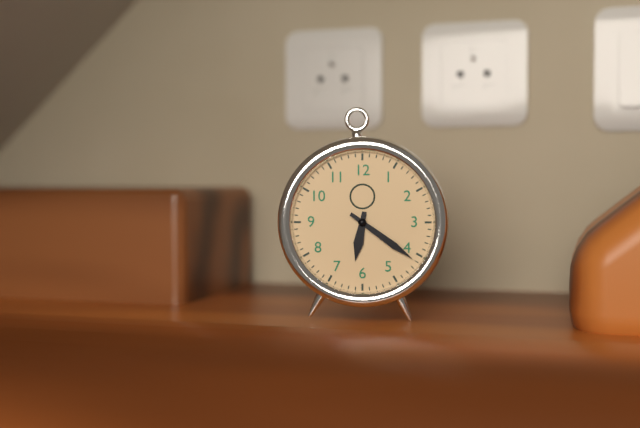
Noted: **6:21**
